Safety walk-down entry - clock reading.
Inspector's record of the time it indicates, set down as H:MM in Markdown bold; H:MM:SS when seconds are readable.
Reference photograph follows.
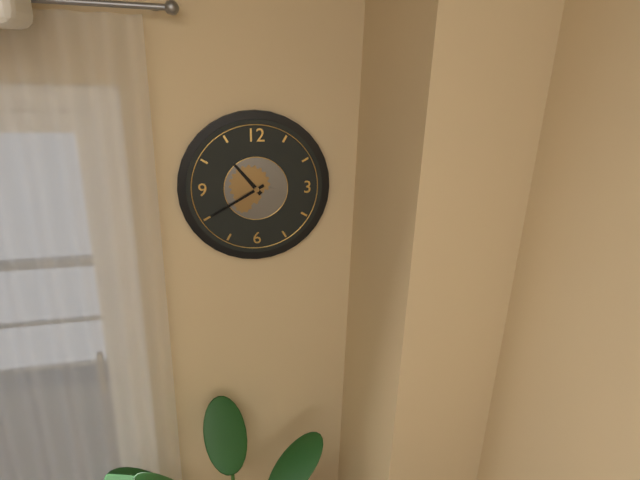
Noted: **10:40**
